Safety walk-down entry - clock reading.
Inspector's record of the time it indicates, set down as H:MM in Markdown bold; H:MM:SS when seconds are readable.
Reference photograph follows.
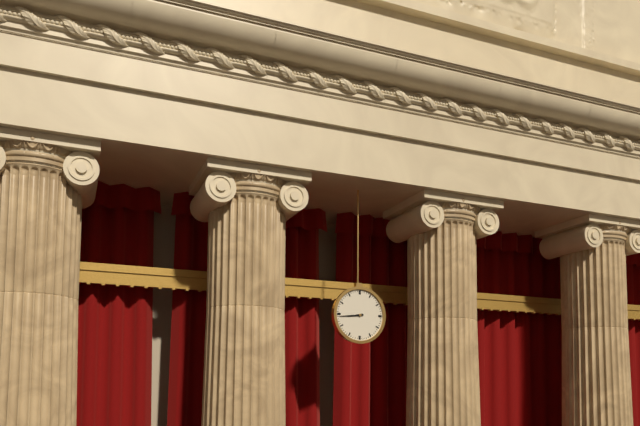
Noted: **8:44**
